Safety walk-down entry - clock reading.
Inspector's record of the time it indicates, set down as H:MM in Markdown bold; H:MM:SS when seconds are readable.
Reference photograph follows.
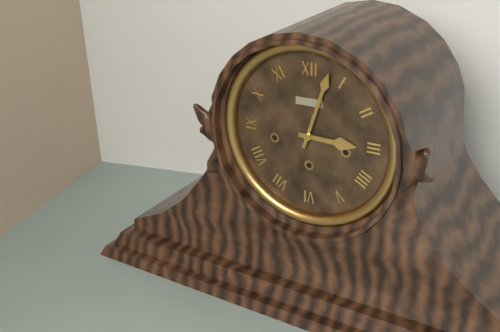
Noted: **3:03**
